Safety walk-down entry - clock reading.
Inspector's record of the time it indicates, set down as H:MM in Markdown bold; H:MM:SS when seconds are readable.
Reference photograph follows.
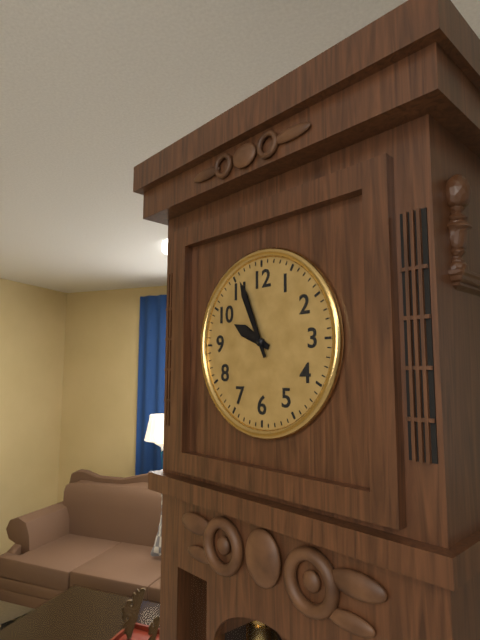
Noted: **9:56**
